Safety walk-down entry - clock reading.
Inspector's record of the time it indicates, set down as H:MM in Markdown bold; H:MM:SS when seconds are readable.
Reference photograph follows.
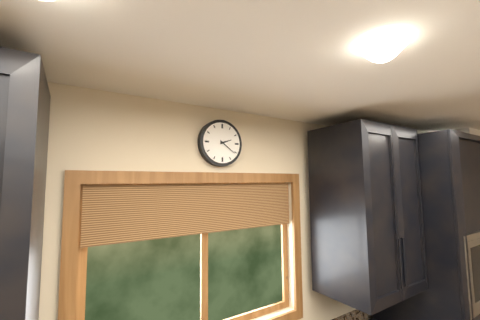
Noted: **2:21**
